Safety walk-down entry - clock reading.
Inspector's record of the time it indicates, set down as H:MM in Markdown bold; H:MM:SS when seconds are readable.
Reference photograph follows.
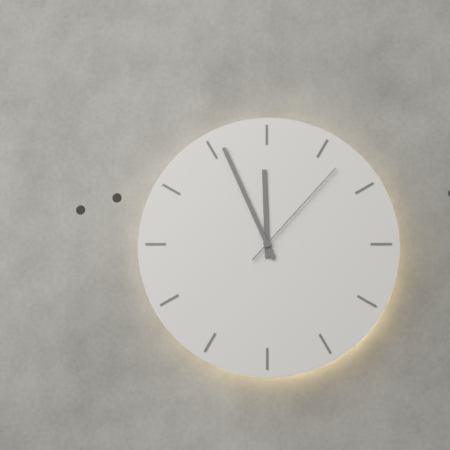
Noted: **11:56:07**
